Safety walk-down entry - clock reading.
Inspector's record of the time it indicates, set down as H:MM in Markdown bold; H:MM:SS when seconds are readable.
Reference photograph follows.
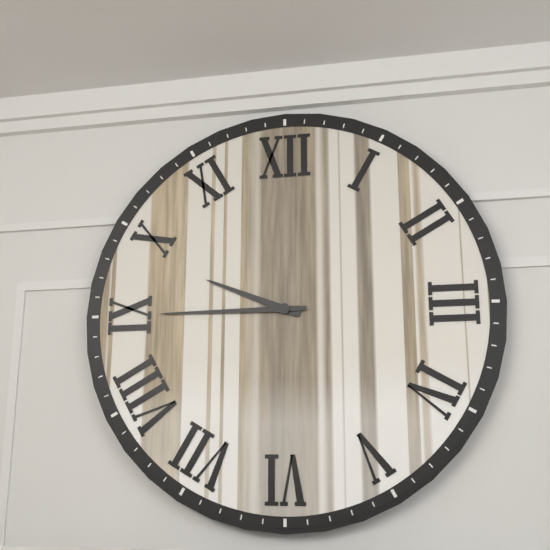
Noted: **9:45**
